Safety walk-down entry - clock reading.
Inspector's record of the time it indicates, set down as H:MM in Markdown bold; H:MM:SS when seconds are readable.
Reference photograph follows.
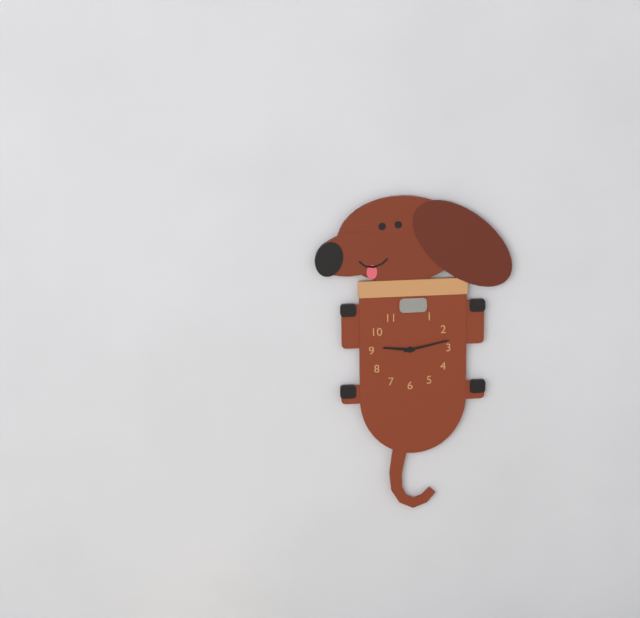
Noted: **9:13**
